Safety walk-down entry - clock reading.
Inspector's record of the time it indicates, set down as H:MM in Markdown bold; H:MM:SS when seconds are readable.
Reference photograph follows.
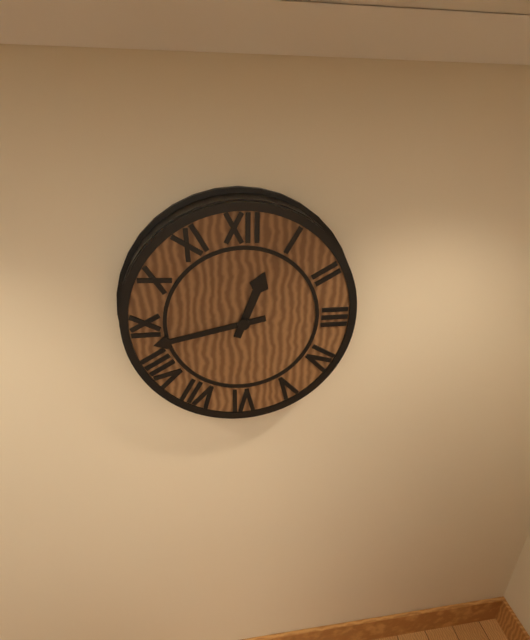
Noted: **12:43**
